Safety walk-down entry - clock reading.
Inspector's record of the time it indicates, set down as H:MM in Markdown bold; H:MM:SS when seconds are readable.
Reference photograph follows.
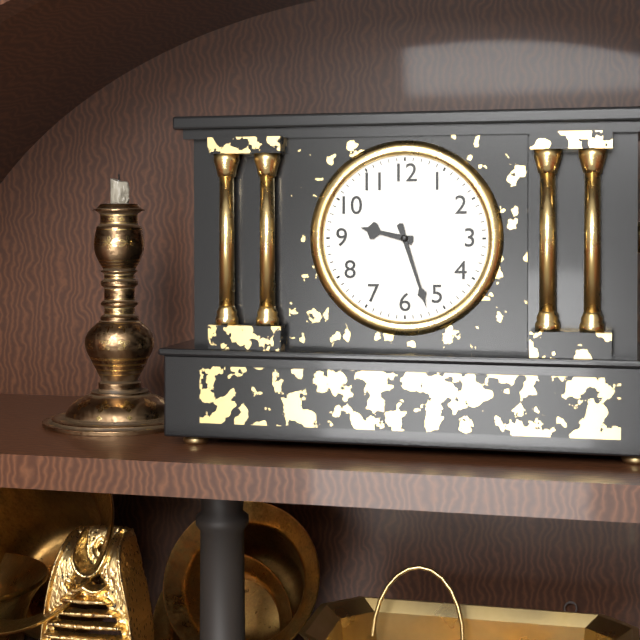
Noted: **9:27**
